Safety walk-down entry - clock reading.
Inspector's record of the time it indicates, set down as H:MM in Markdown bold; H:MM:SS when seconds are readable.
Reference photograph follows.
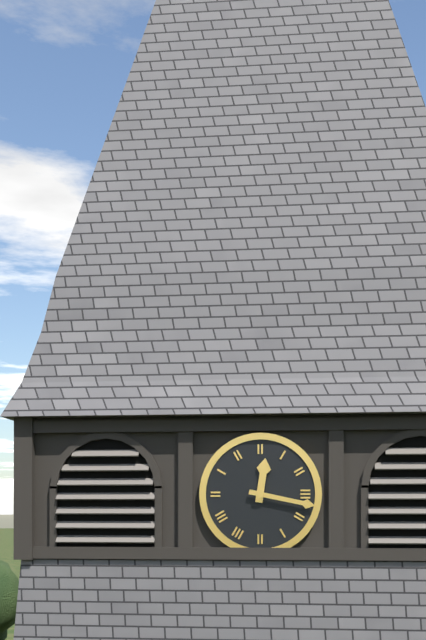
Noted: **12:17**
